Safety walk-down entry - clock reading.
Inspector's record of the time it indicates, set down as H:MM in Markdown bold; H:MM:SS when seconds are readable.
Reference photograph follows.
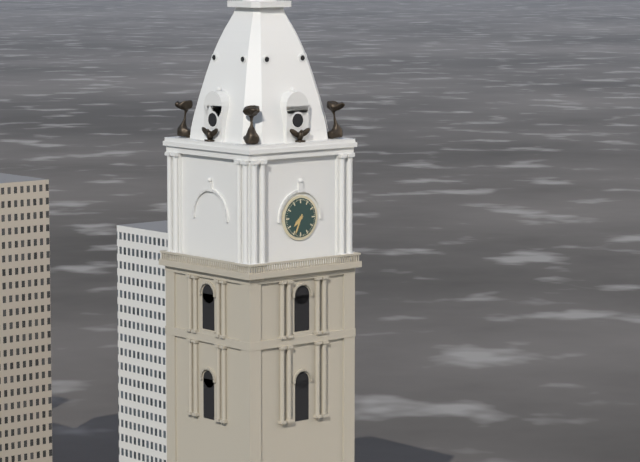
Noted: **7:34**
